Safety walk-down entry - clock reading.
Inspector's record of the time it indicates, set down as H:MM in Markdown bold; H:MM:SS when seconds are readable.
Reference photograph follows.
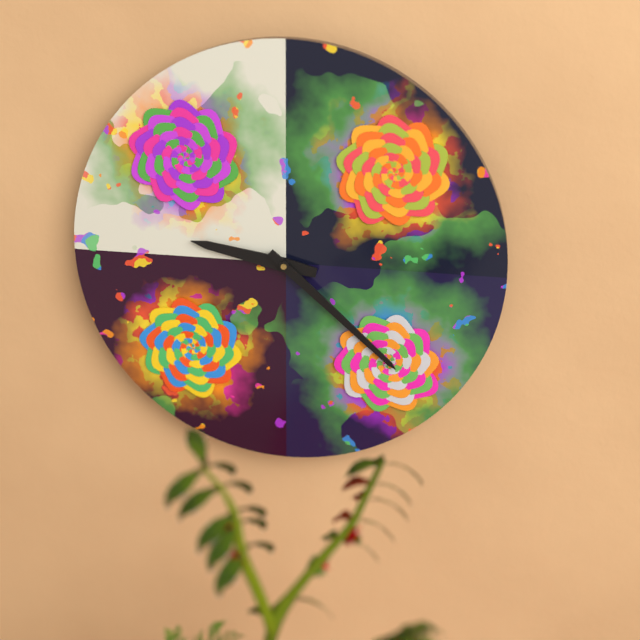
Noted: **9:22**
